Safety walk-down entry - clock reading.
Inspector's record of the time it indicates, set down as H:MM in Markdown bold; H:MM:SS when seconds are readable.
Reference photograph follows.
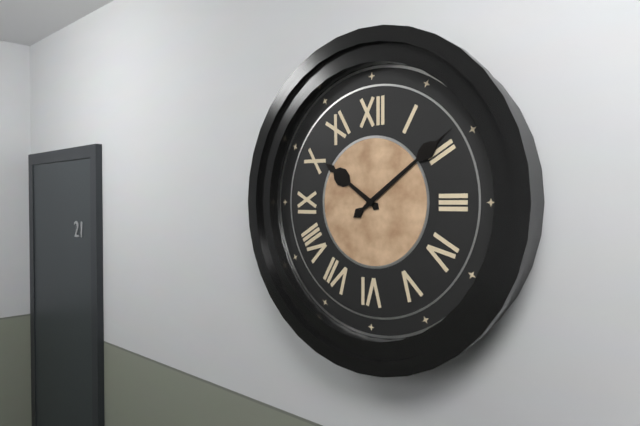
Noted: **10:09**
